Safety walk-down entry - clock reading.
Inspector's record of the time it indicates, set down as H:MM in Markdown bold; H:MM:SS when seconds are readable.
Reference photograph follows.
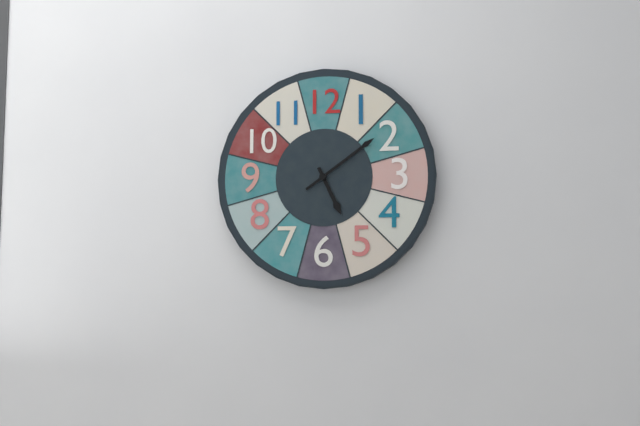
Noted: **5:09**
